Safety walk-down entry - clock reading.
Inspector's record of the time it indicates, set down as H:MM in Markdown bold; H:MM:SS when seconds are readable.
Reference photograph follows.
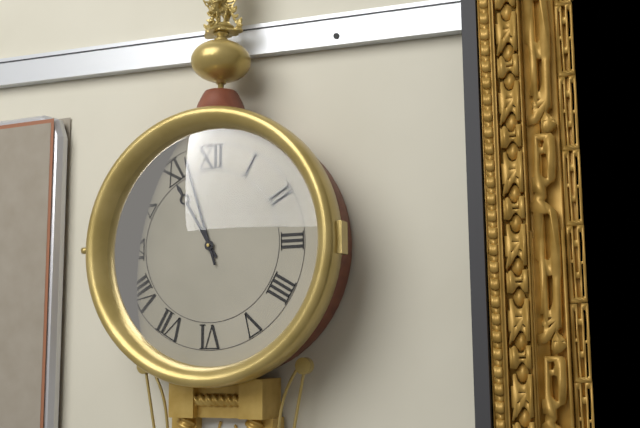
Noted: **10:57**
